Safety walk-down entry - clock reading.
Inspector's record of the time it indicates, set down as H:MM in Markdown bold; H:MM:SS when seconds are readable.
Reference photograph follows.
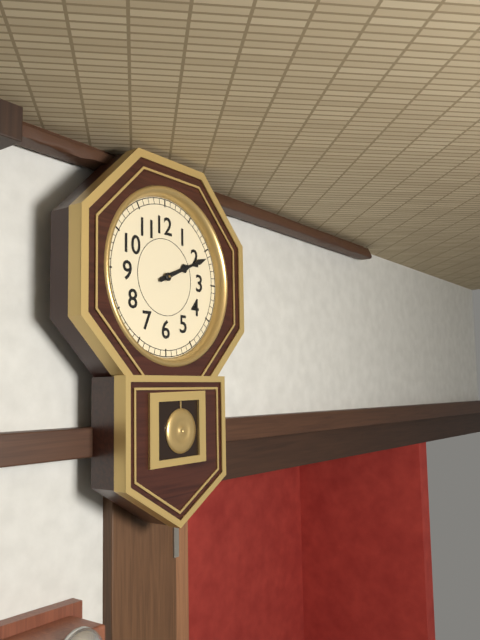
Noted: **2:11**
